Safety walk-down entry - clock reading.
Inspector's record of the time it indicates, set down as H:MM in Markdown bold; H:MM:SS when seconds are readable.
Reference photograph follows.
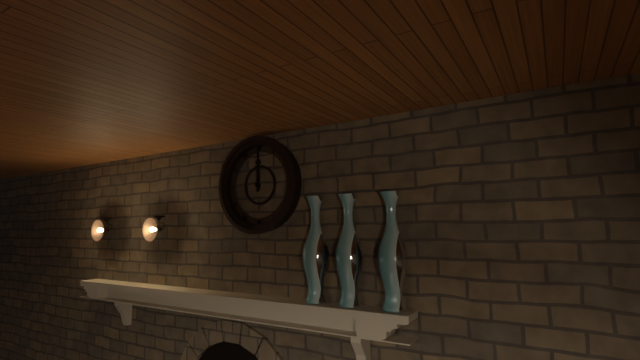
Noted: **12:00**
